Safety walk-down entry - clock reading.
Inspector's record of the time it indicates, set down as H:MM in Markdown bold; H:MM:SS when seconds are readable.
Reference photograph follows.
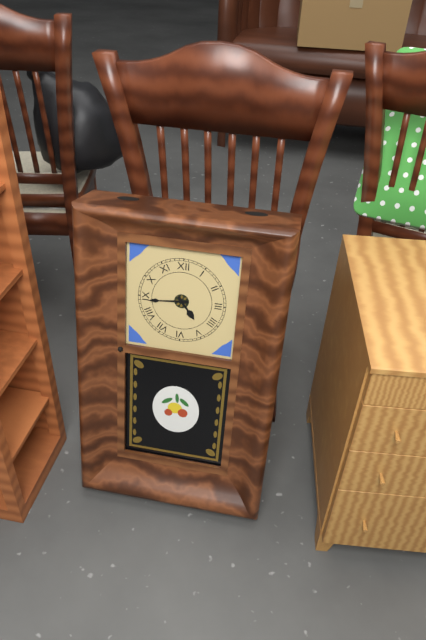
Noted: **4:44**
